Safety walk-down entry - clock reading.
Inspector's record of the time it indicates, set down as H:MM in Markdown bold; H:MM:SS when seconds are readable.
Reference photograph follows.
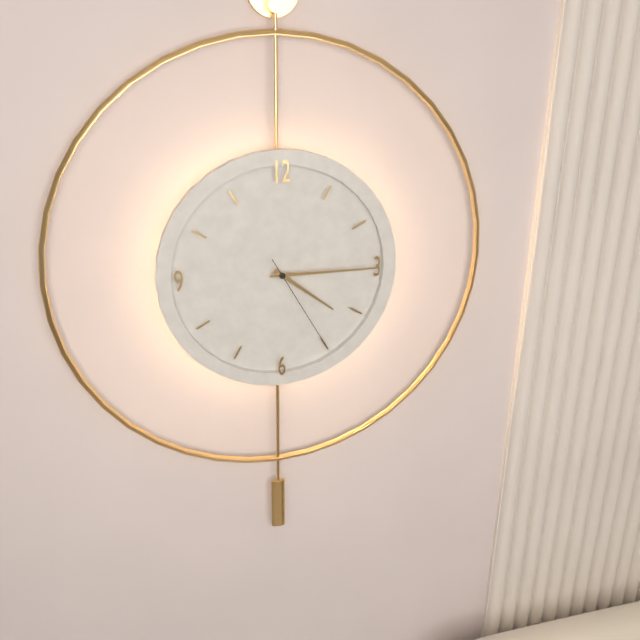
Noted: **4:15:25**
